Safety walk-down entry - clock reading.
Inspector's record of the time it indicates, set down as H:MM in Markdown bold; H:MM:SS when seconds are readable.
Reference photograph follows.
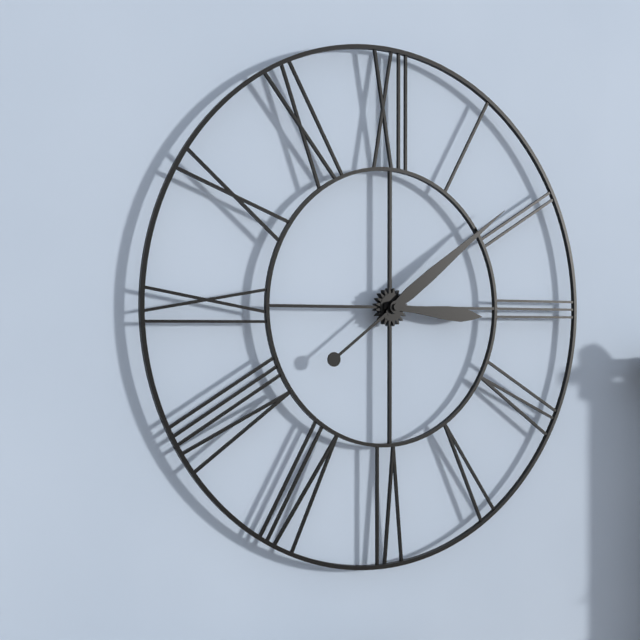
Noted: **3:09**
